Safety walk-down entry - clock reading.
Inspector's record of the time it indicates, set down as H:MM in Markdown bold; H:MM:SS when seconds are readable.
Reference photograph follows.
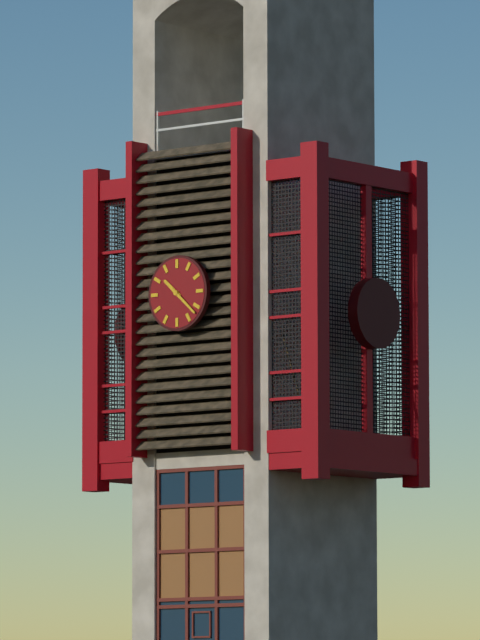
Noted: **10:22**
